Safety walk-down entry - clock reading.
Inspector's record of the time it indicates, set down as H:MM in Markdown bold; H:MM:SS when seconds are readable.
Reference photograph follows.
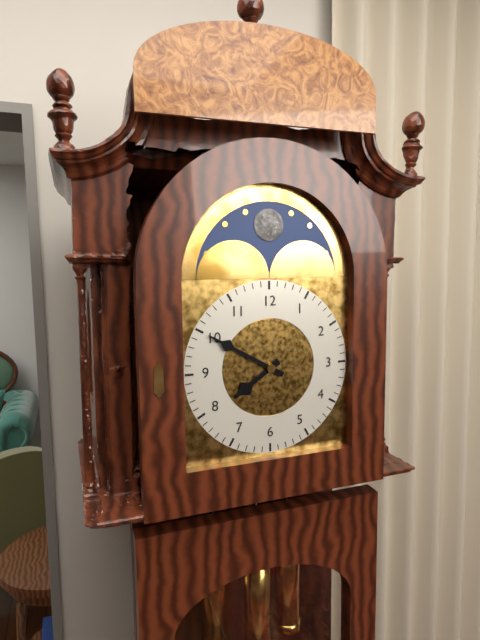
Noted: **7:50**
